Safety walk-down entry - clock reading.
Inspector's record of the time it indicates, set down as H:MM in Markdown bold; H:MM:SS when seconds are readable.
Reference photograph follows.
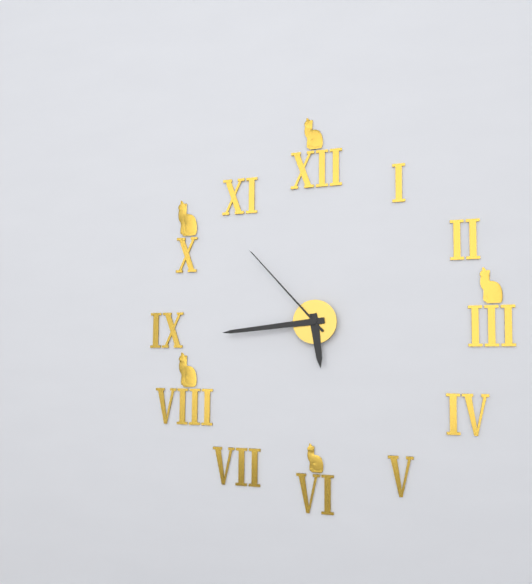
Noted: **5:44:53**
